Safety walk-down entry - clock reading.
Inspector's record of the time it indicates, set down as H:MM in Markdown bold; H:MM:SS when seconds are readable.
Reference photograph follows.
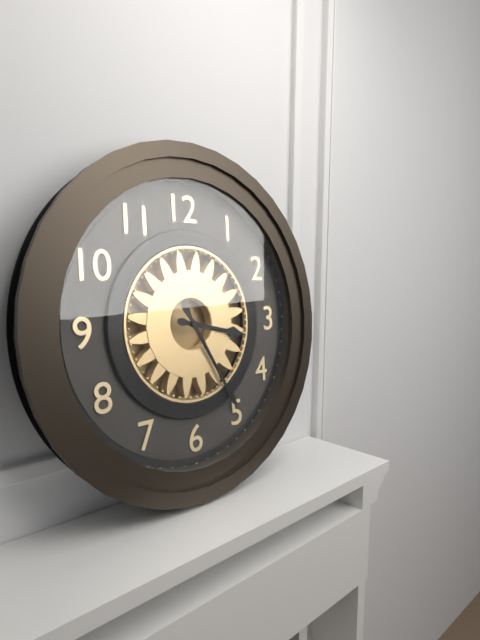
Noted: **3:25**
